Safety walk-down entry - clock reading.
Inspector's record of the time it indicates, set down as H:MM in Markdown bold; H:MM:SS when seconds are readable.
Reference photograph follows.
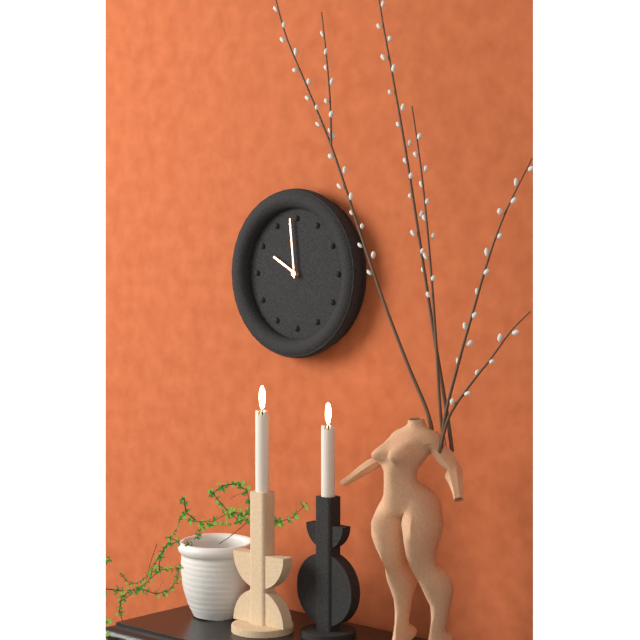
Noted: **9:59**
